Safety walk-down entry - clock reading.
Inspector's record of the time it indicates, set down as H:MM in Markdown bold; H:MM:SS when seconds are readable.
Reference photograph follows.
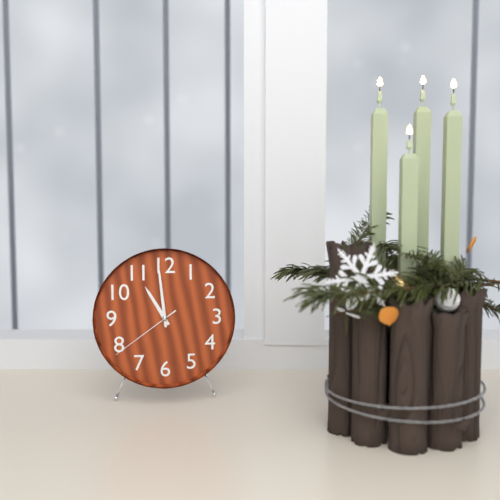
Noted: **10:59:39**
